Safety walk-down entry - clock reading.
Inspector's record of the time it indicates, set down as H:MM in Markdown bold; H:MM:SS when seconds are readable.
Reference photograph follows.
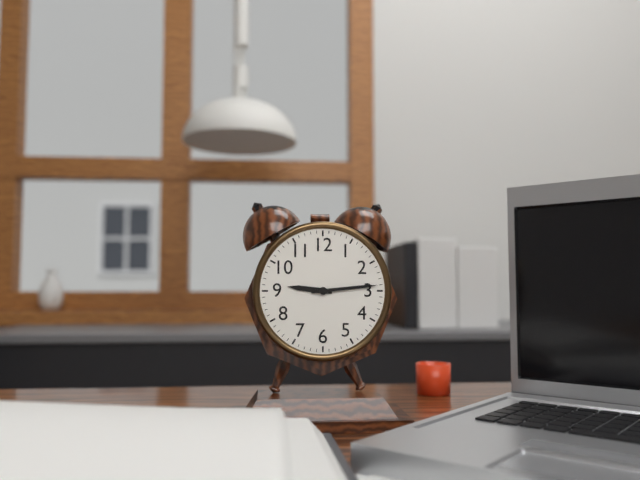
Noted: **9:14**
